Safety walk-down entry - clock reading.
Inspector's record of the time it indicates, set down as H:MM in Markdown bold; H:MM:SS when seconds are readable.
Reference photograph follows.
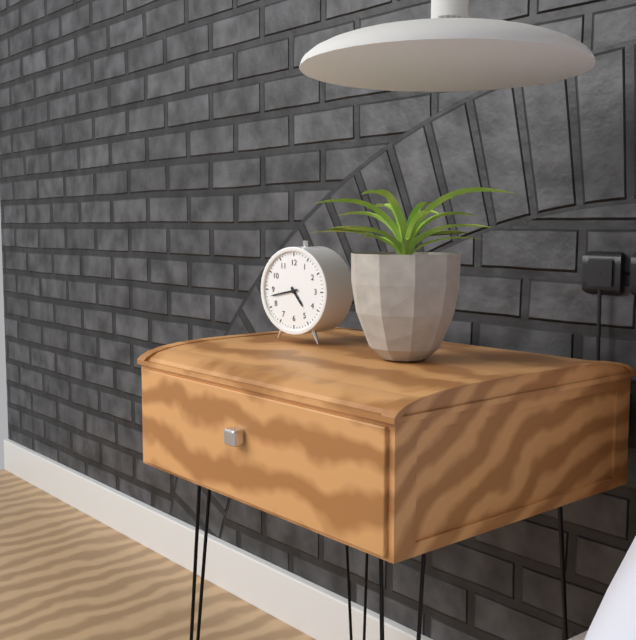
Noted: **4:43**
